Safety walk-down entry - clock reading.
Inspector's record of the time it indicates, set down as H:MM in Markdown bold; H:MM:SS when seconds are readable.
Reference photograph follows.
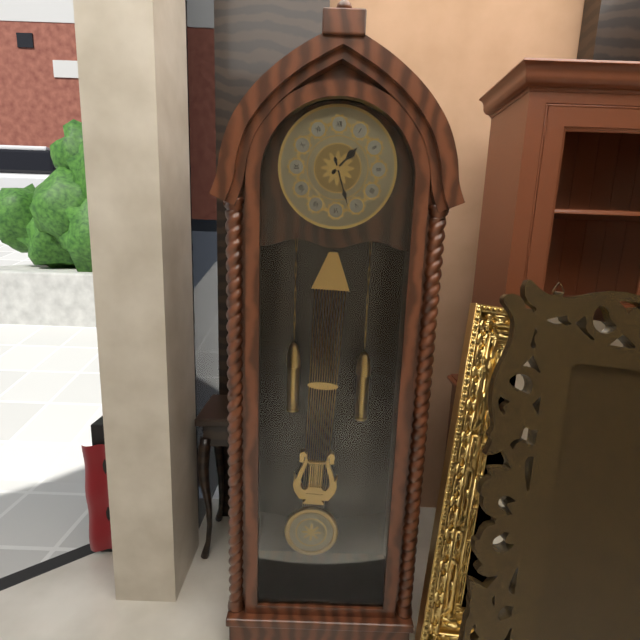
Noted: **1:27**
